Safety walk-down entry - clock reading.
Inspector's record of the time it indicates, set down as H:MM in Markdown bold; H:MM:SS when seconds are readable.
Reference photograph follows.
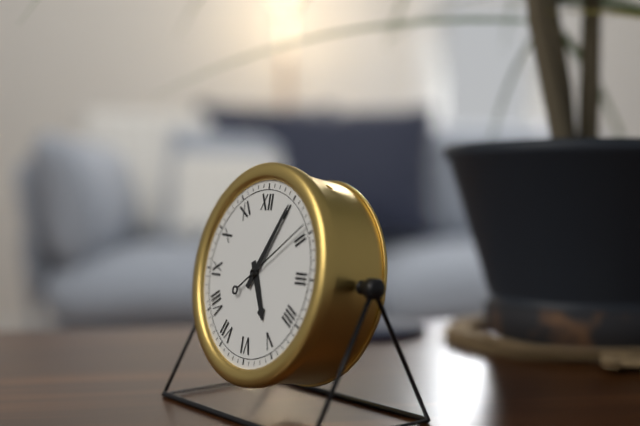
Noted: **5:05:09**
